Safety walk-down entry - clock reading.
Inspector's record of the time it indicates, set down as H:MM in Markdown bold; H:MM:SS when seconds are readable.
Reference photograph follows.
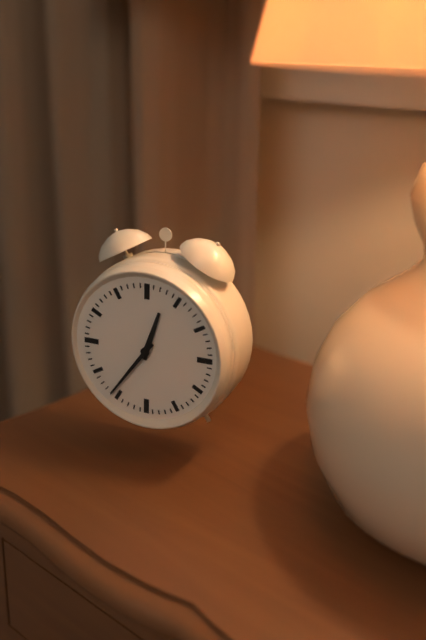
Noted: **12:36**
